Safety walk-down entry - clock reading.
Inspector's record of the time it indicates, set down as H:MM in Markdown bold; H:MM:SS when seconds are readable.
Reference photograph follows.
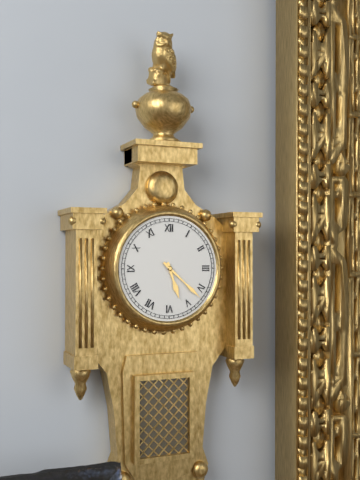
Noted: **5:22**
